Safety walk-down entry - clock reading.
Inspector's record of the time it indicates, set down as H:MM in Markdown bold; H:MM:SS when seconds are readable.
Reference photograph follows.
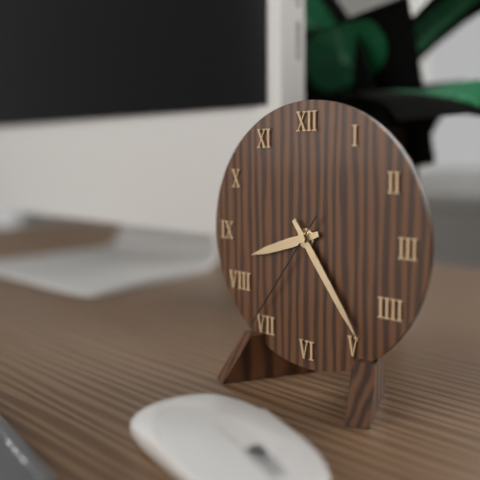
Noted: **8:24:36**
